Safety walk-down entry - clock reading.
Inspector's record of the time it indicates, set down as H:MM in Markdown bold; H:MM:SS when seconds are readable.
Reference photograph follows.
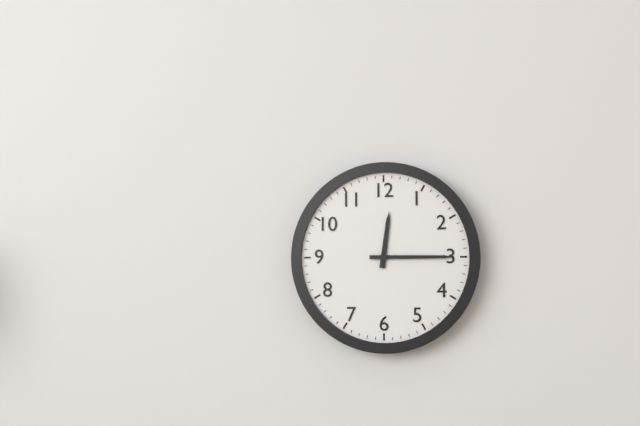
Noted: **12:15**
